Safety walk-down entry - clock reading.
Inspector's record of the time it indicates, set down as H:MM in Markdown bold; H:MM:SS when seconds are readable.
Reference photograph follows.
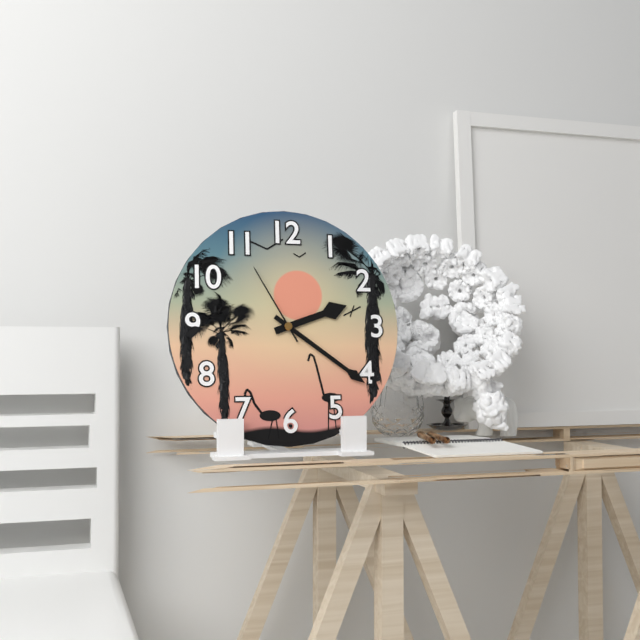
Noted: **2:21:55**
